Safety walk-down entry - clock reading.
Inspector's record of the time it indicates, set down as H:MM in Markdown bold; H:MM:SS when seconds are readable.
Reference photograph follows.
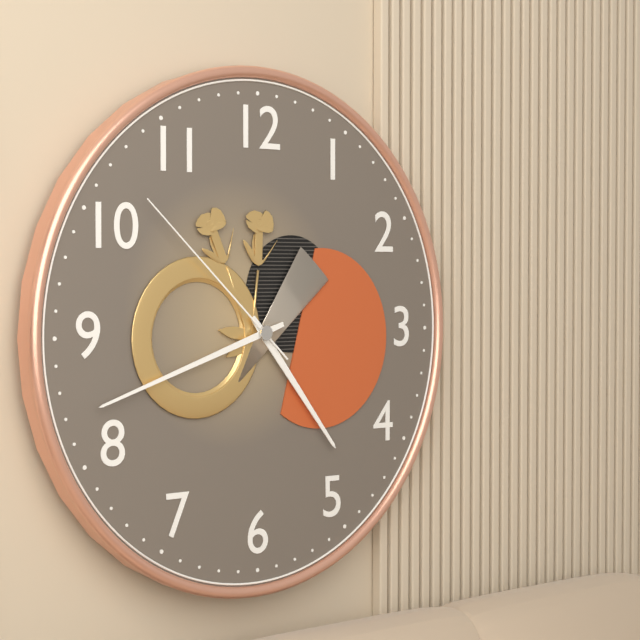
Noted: **4:42:52**
